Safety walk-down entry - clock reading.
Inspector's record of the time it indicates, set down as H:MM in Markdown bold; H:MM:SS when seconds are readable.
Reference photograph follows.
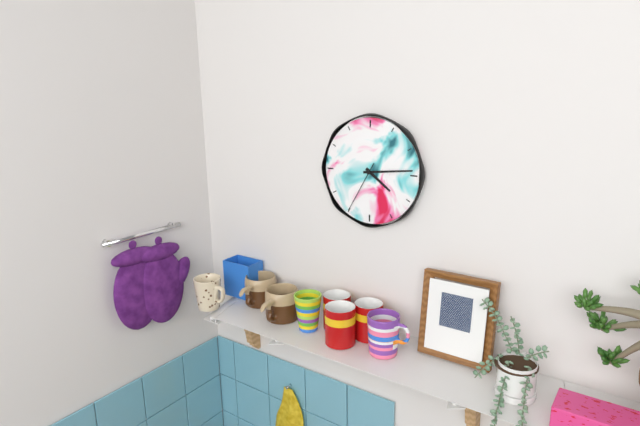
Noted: **4:14:35**
